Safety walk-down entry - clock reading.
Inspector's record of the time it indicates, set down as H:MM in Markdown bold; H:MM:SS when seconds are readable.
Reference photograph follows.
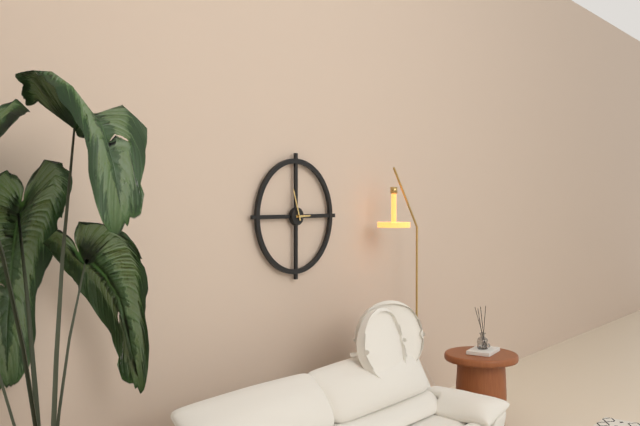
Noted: **2:57**
